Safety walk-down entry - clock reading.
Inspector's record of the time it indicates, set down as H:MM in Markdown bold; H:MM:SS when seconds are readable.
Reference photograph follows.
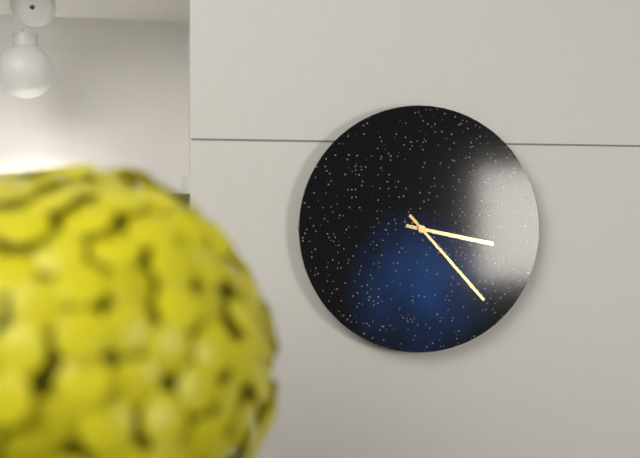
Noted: **3:23**
